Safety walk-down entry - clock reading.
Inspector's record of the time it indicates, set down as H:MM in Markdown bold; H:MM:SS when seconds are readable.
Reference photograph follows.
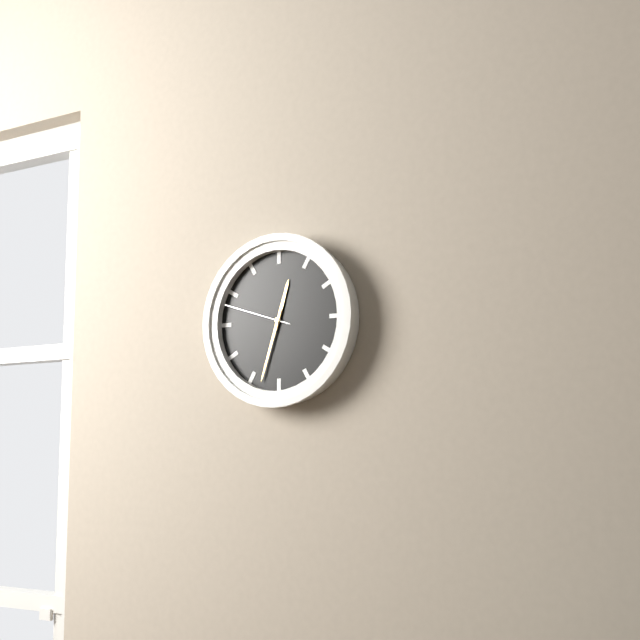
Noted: **12:33:48**
